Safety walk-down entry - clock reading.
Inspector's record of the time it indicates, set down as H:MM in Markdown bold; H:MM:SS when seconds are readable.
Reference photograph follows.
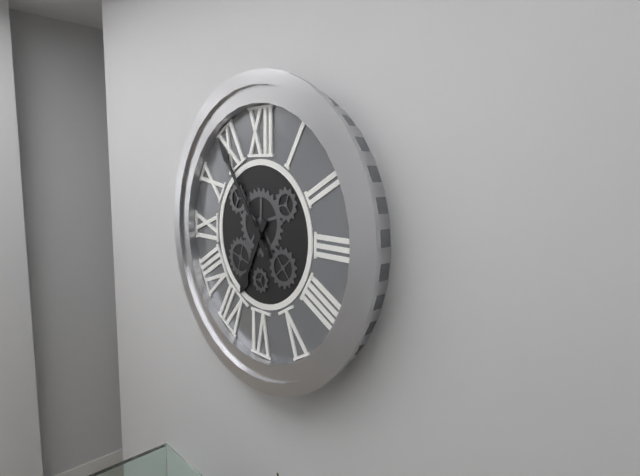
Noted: **6:54**
